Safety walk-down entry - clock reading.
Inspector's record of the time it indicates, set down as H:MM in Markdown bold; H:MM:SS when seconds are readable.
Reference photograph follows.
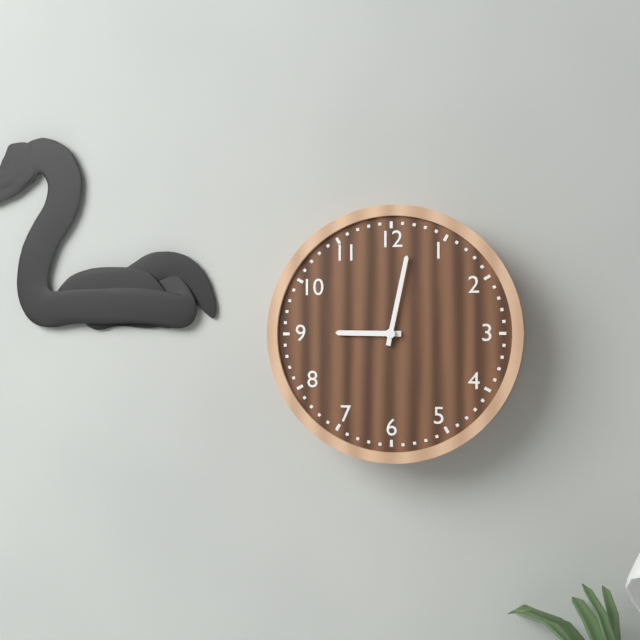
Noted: **9:02**
